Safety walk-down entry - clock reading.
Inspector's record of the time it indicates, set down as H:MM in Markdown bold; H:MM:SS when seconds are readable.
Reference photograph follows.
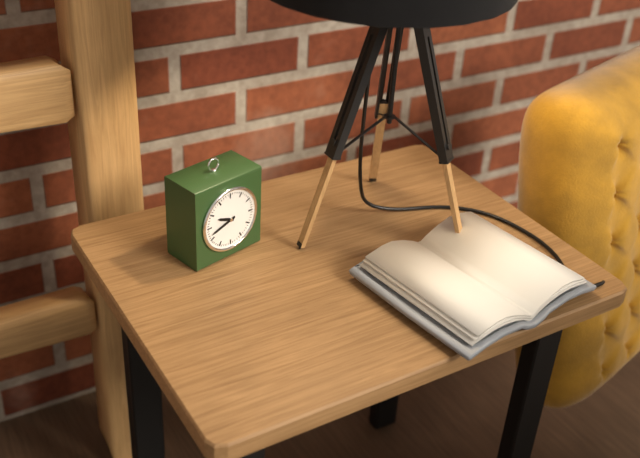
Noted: **9:42**
